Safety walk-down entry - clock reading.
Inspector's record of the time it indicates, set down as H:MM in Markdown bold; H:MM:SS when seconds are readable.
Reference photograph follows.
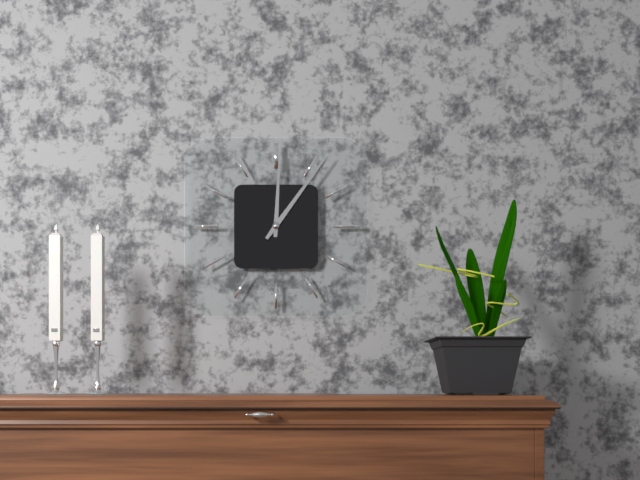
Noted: **12:06**
